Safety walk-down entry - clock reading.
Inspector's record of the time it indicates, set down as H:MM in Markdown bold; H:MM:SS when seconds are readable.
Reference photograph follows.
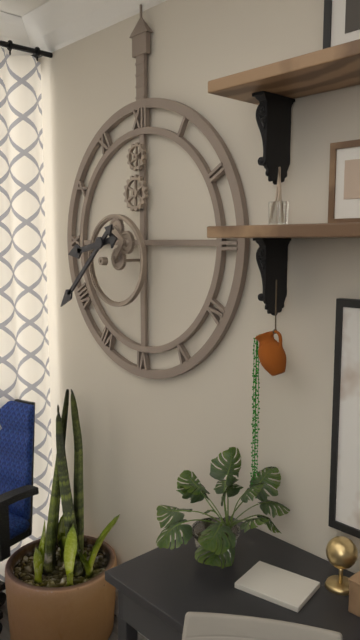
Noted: **8:38**
